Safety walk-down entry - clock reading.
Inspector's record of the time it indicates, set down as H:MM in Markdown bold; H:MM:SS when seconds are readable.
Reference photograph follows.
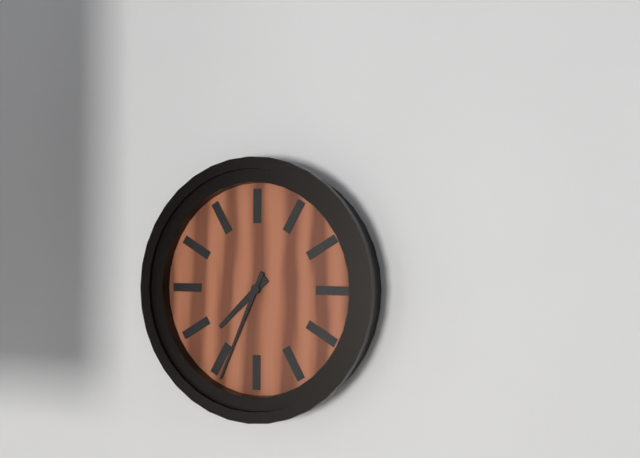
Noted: **7:34**
